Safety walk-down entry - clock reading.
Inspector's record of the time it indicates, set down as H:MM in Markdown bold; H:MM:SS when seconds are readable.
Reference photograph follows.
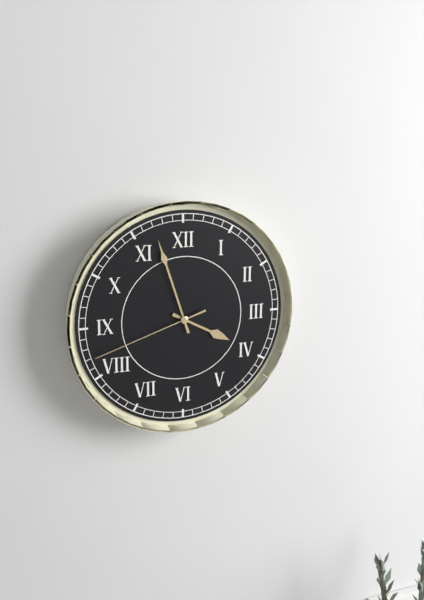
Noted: **3:57:42**
